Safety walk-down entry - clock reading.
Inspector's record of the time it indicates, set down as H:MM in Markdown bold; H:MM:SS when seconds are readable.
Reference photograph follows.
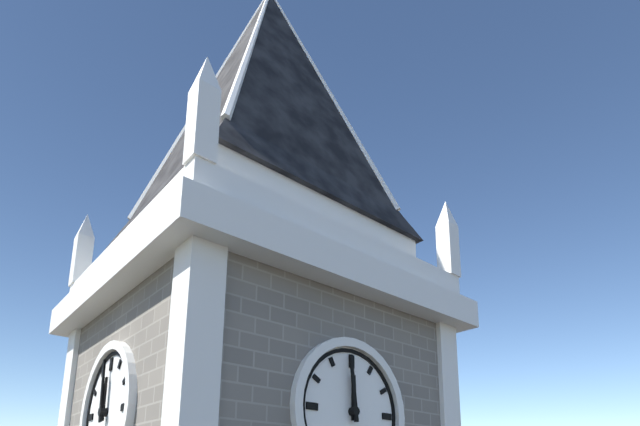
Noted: **11:59**
